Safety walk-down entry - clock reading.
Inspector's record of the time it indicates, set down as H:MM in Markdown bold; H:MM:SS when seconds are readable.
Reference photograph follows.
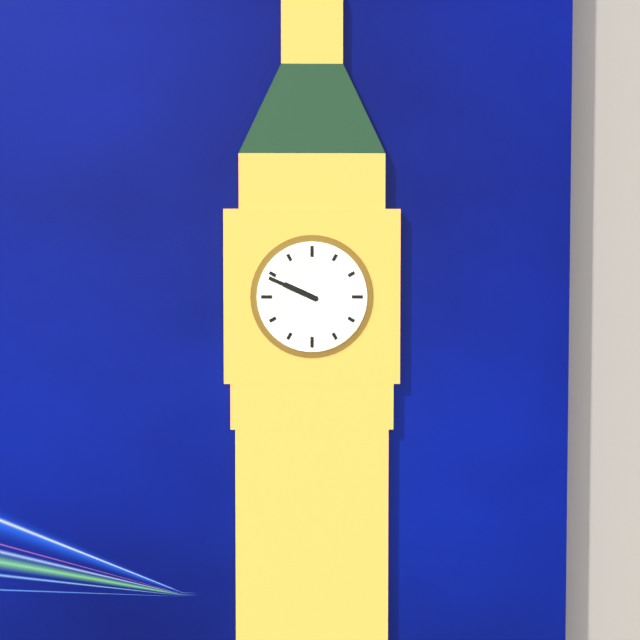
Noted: **9:49**
